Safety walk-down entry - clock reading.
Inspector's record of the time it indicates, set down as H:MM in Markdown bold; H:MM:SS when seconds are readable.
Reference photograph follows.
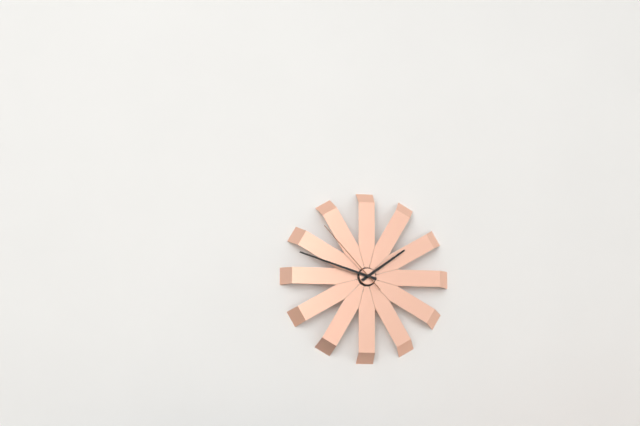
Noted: **1:48:53**
